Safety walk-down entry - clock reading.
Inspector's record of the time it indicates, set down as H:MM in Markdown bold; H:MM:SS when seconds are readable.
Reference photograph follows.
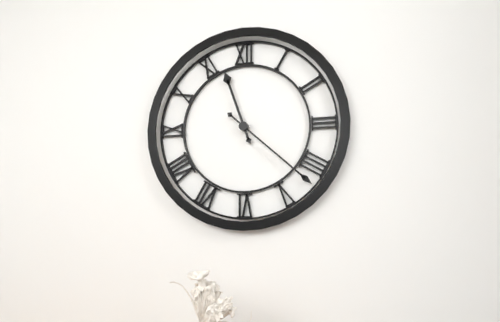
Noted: **11:22**
